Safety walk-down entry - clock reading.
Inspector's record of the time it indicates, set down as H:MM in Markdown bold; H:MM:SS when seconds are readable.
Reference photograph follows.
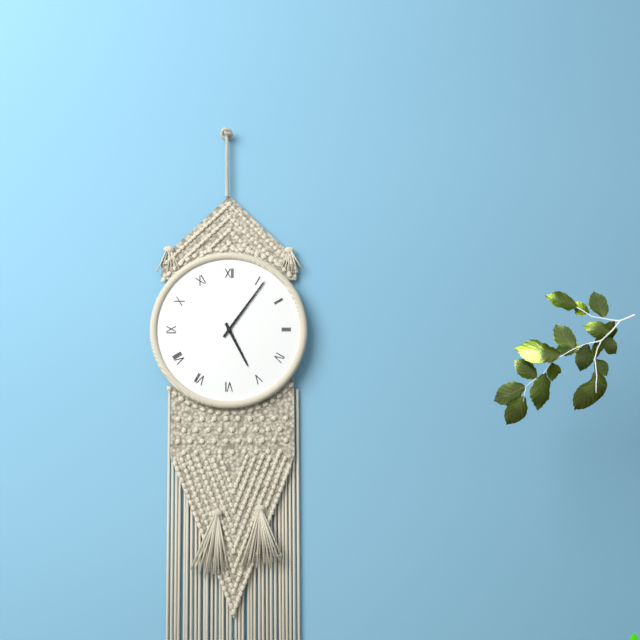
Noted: **5:06**
